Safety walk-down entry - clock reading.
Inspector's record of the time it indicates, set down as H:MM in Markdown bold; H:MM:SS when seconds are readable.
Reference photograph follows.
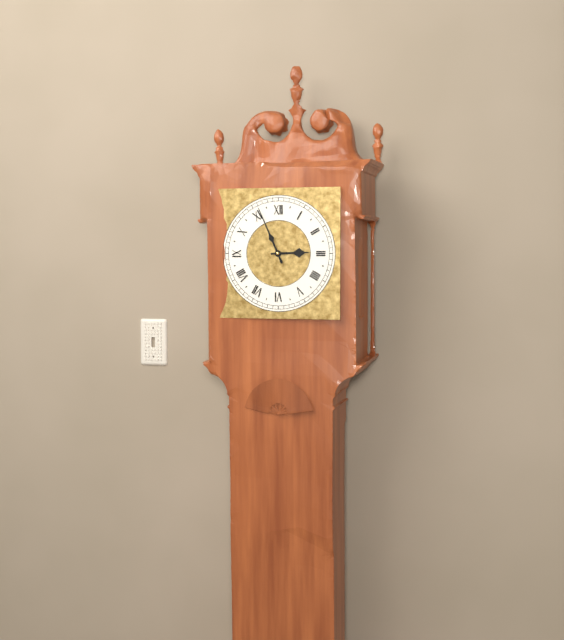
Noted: **2:56**
